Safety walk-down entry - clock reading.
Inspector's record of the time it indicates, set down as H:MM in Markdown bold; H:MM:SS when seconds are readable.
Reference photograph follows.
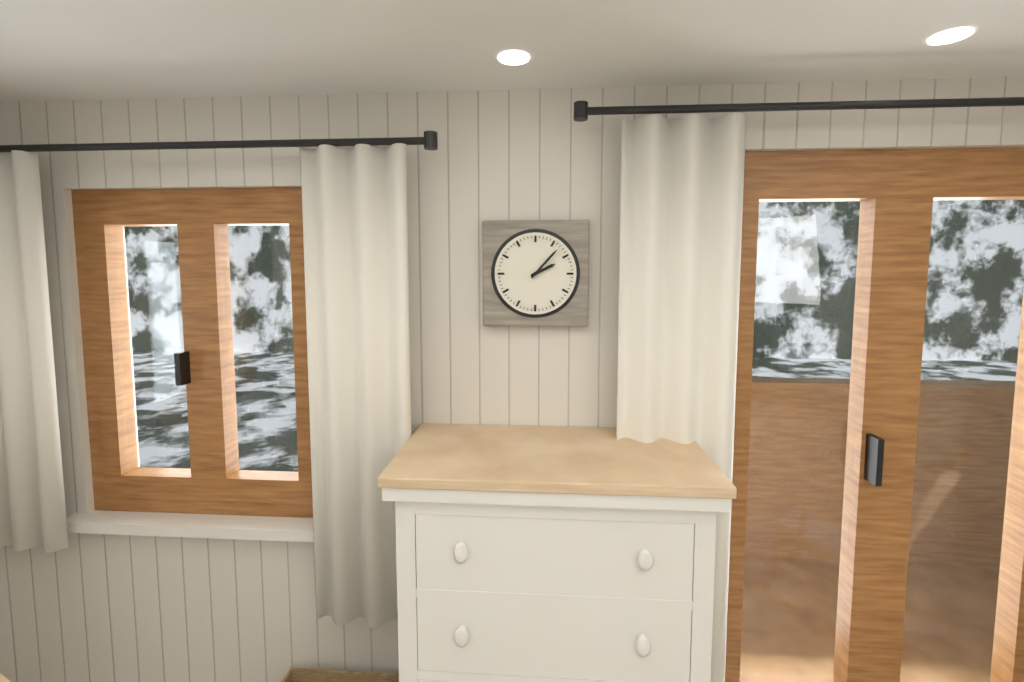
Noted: **2:07**
